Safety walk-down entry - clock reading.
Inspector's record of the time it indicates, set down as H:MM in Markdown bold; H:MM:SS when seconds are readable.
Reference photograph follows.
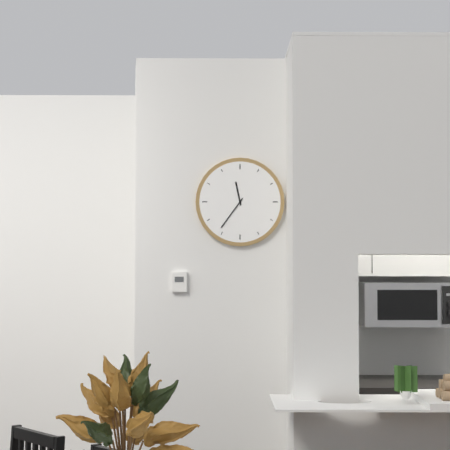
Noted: **11:36**
